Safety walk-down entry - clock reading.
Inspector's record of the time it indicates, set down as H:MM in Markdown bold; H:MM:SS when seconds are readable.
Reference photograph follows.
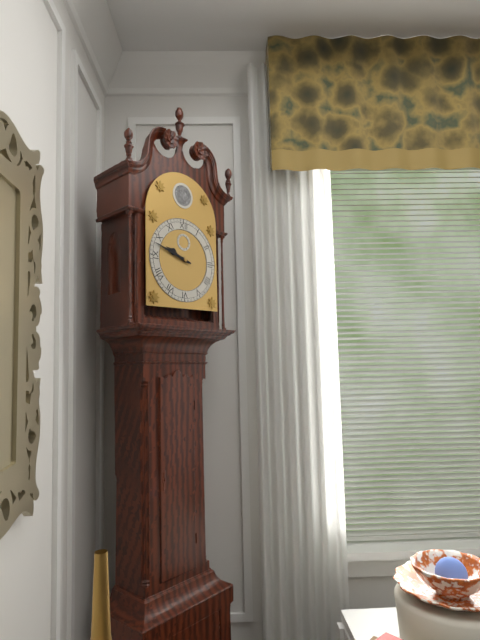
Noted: **9:48**
